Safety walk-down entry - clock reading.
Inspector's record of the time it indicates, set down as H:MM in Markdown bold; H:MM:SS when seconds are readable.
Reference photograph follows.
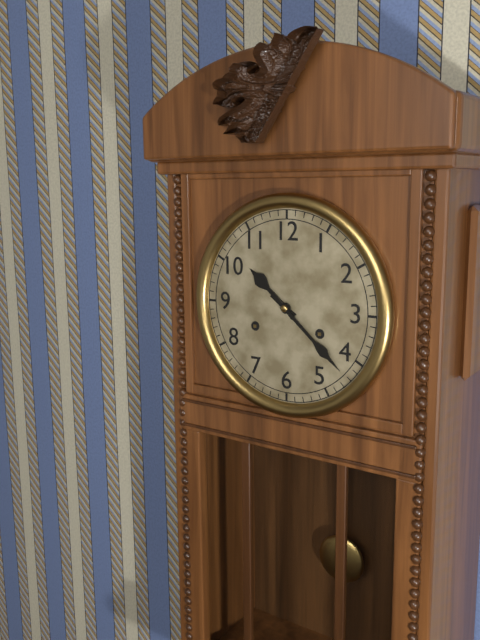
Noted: **10:22**
